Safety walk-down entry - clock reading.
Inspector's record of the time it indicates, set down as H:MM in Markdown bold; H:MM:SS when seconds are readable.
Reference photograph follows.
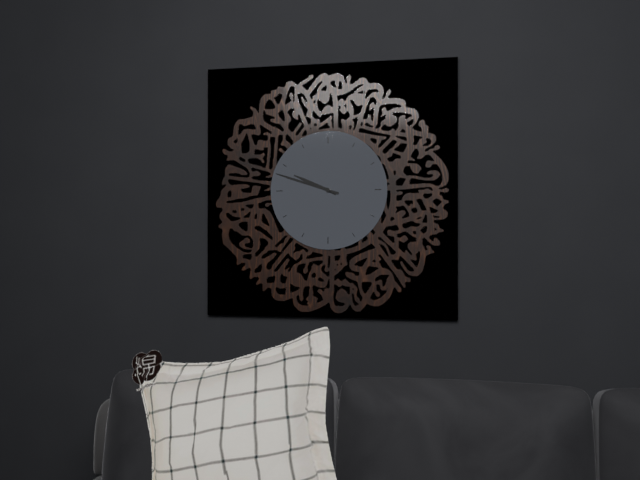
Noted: **9:48**
